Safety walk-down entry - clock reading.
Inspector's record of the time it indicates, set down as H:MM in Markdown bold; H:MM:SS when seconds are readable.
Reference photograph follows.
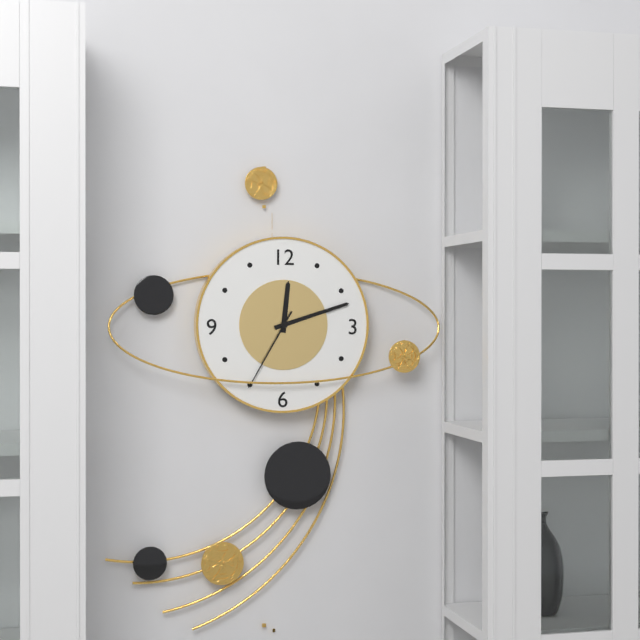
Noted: **12:12:35**
